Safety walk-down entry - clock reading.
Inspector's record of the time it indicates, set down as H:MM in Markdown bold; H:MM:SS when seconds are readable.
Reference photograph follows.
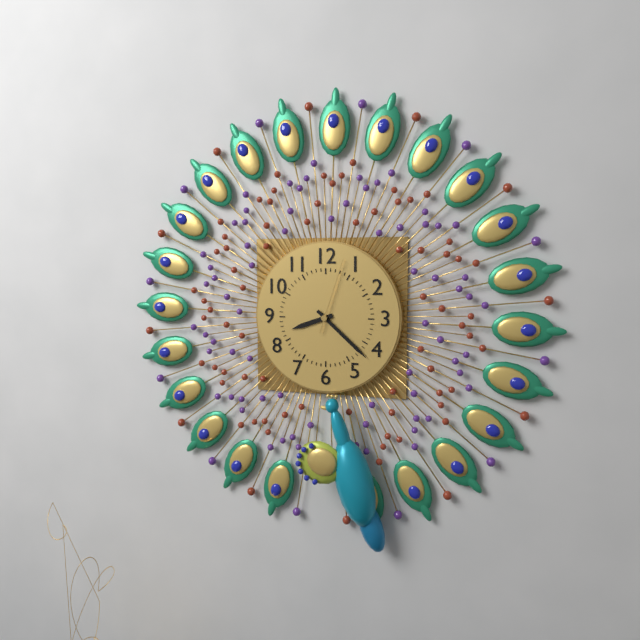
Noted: **8:22:03**
